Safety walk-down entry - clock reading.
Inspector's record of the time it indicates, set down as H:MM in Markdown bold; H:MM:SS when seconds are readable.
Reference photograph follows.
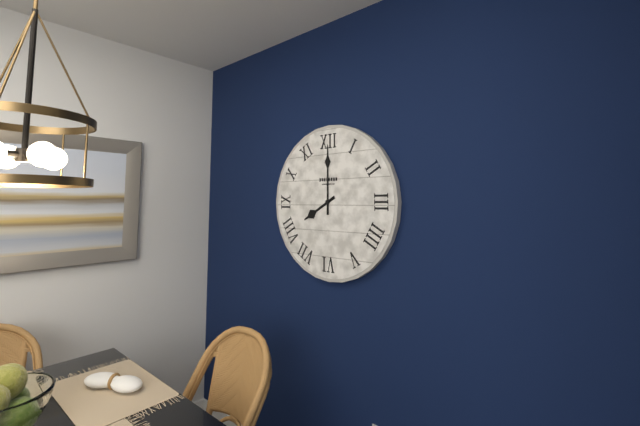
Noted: **8:00**
